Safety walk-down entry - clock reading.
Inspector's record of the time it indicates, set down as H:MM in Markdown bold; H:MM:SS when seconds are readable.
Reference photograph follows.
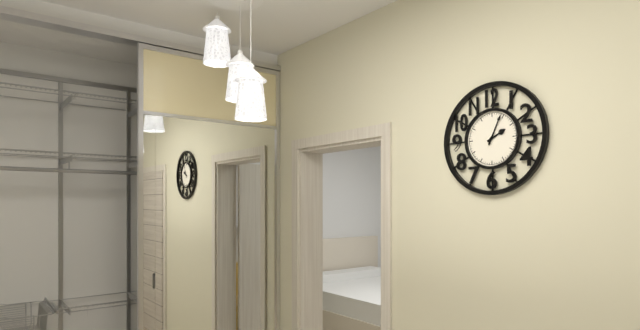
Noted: **2:04**
